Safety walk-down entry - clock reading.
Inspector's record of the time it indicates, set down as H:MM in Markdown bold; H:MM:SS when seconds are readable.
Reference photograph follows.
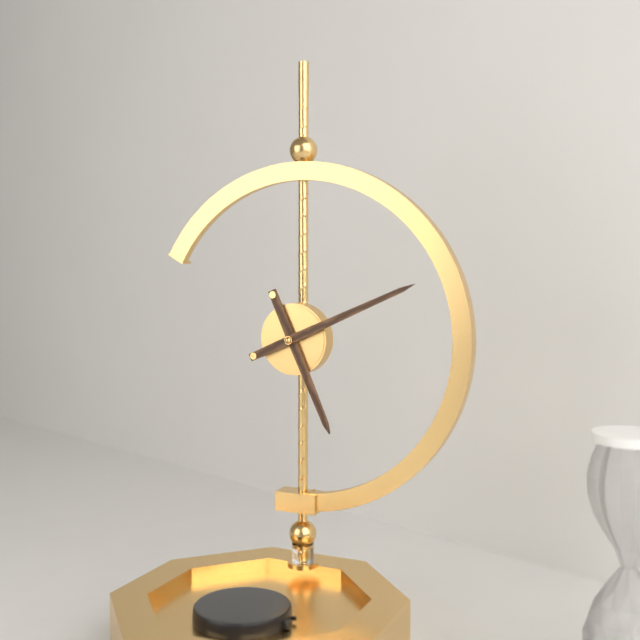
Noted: **5:11**
